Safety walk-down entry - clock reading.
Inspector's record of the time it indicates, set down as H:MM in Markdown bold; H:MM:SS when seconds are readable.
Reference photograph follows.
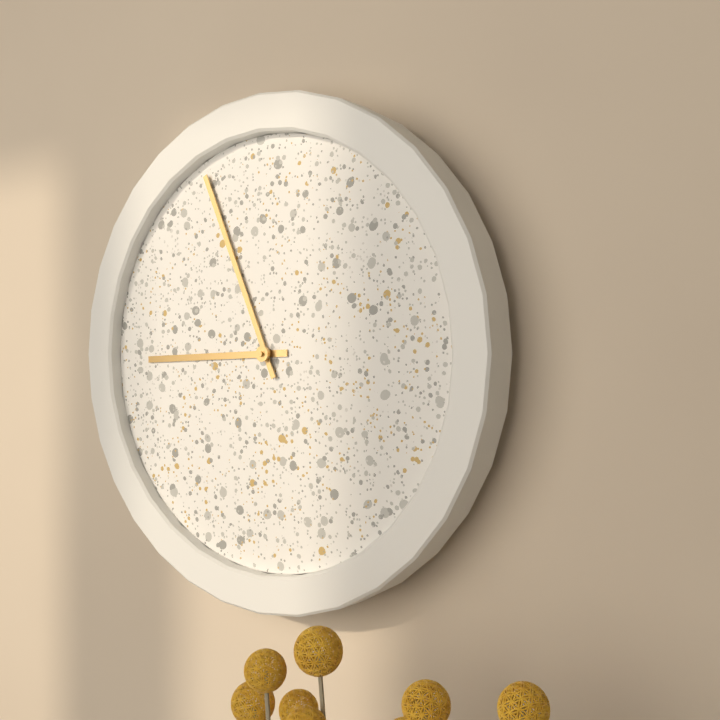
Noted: **8:56**
